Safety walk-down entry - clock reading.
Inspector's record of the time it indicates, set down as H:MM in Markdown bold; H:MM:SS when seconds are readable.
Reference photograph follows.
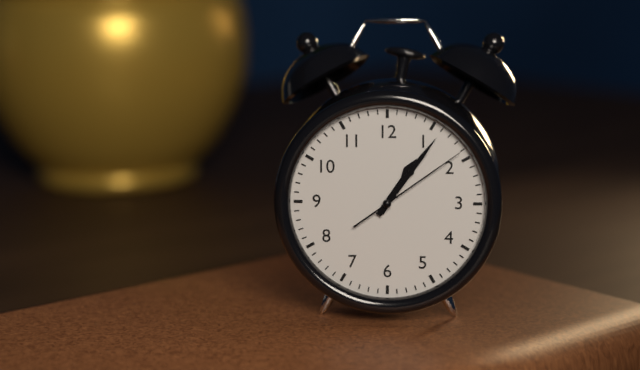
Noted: **1:06:09**
